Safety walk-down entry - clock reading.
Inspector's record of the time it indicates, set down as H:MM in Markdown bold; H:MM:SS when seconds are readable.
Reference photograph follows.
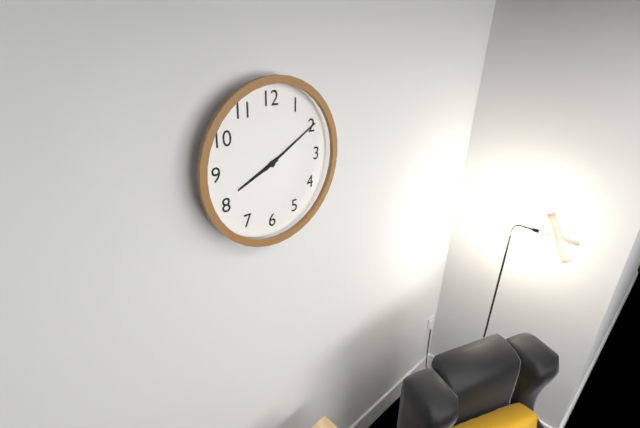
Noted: **8:10**
